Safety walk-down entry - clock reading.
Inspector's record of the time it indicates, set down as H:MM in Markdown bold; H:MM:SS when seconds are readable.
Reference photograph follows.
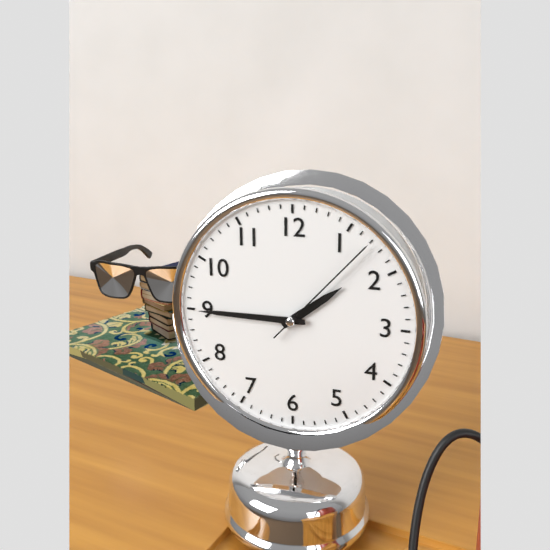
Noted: **1:45:07**
